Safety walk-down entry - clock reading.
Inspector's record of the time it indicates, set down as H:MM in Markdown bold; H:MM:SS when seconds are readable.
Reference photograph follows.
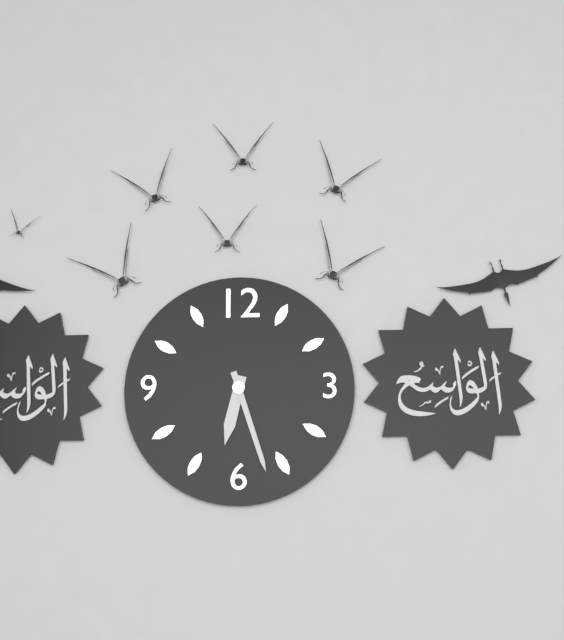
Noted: **6:27**
